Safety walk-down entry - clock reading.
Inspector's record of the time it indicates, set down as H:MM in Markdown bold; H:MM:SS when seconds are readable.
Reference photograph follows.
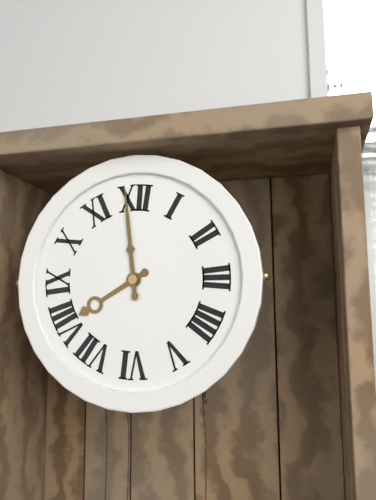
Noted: **7:59**
